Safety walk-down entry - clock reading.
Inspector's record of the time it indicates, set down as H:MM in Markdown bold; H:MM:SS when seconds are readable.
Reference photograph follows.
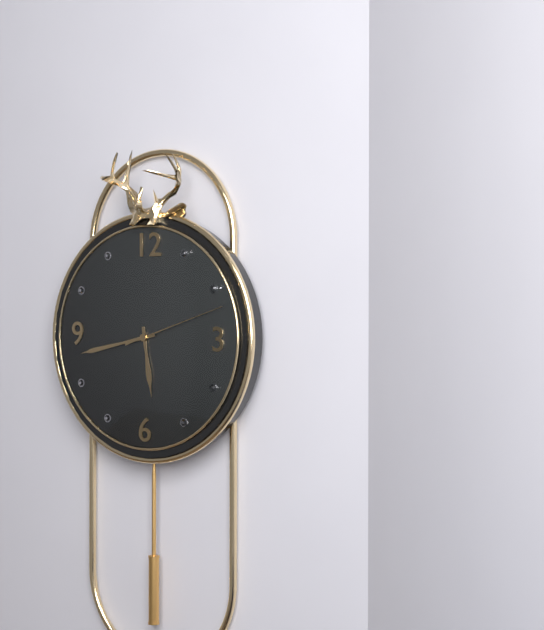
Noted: **5:43:12**
